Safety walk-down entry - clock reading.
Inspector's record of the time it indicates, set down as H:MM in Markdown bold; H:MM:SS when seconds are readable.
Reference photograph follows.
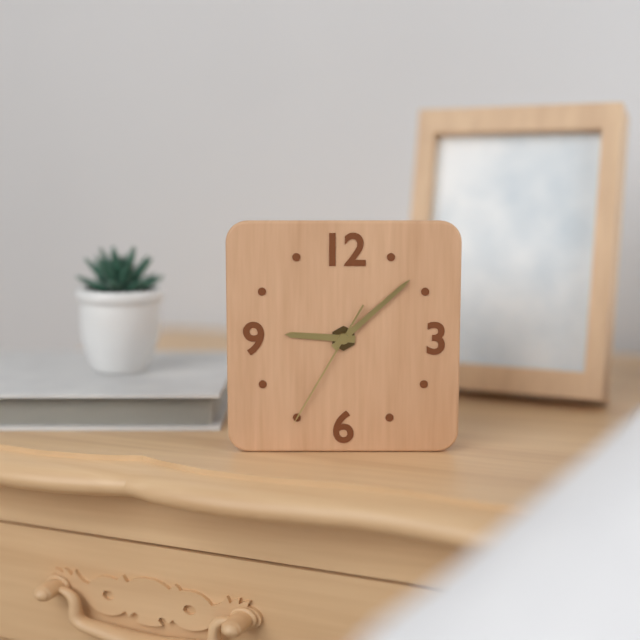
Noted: **9:08:35**
